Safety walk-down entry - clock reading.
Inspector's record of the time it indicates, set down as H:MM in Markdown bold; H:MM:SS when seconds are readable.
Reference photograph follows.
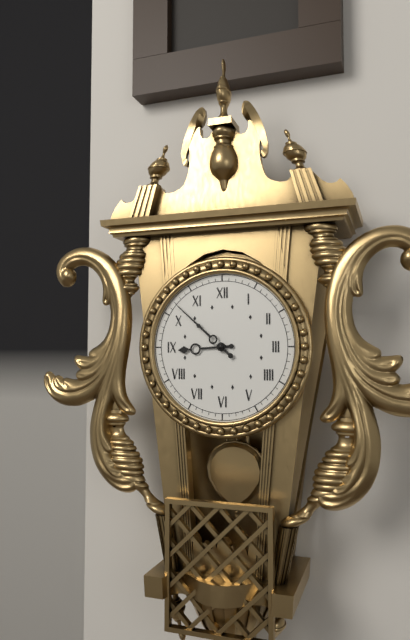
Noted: **8:52**
